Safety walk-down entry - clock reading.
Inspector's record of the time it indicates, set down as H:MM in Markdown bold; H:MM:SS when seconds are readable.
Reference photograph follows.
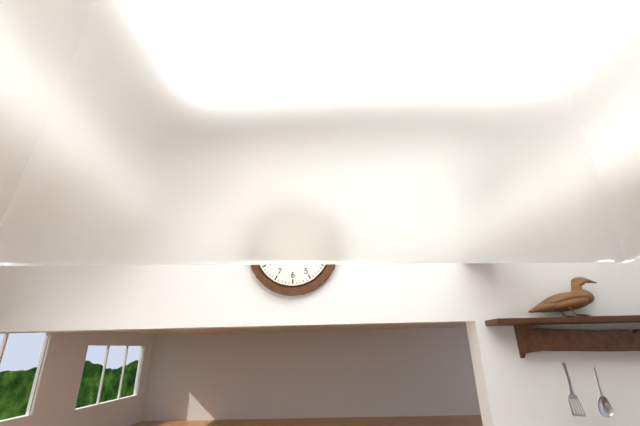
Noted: **9:10**
